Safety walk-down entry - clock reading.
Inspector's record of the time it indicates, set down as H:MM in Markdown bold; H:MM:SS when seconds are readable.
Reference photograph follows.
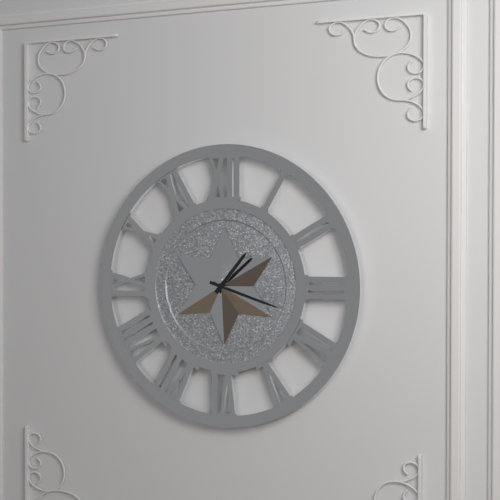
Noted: **1:18**
